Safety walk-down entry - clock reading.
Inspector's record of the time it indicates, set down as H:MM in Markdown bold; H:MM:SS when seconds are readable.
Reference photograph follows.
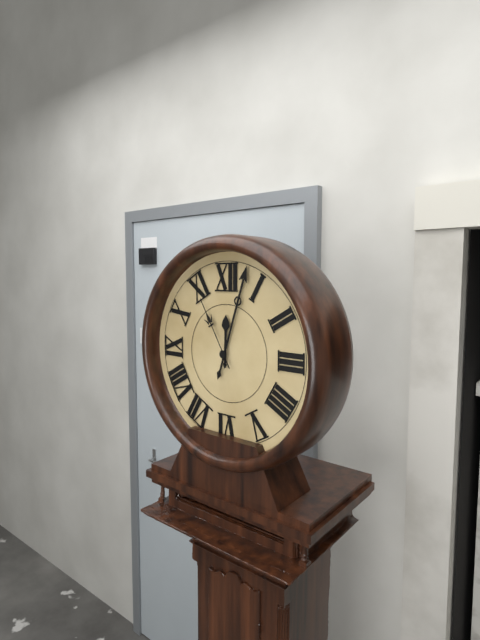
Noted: **12:03:55**
